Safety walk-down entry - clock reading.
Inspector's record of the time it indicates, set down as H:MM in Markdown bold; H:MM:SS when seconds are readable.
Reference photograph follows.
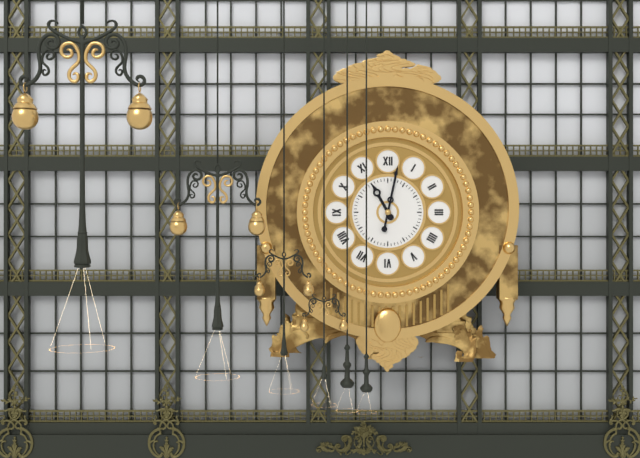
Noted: **11:02**
